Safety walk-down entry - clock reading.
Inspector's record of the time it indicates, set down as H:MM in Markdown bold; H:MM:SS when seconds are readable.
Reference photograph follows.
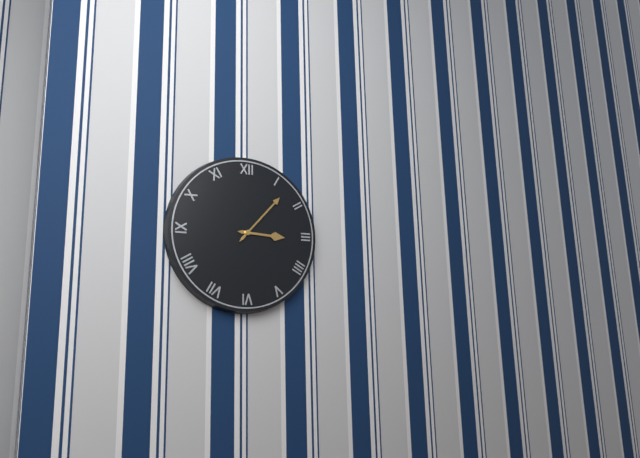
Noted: **3:07**
